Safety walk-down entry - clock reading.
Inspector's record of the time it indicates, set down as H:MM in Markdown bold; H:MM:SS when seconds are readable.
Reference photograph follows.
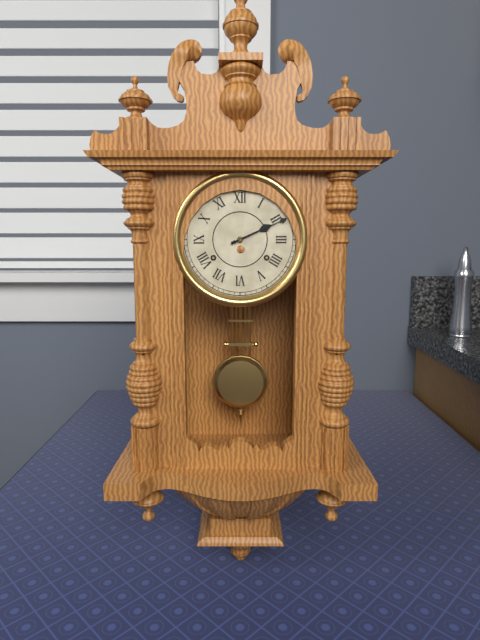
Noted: **2:11**
